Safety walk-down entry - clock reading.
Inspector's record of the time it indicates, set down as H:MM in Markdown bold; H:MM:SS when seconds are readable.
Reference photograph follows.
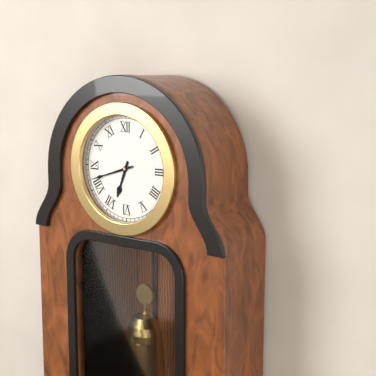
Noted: **6:42**
